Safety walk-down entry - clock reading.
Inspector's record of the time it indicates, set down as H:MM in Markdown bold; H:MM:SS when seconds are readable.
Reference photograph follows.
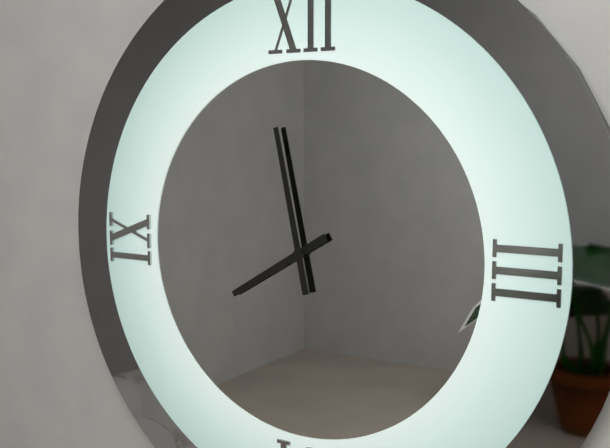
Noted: **7:58**
